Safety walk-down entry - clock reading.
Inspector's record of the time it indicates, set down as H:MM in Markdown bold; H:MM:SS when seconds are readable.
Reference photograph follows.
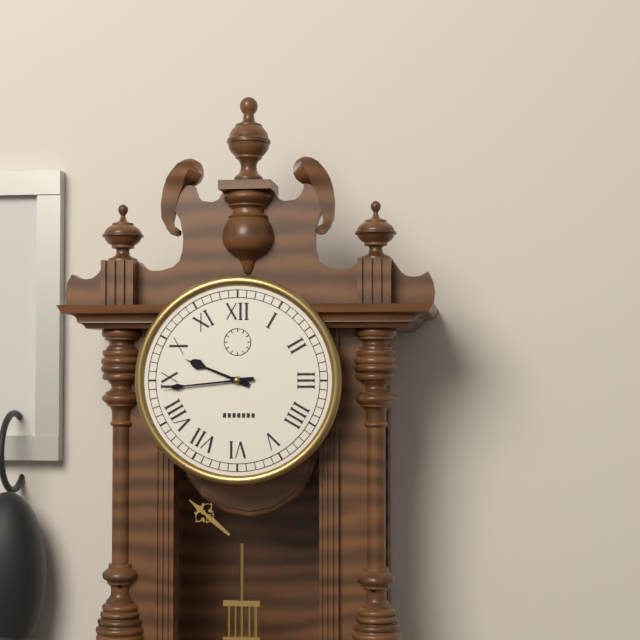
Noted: **9:44**
